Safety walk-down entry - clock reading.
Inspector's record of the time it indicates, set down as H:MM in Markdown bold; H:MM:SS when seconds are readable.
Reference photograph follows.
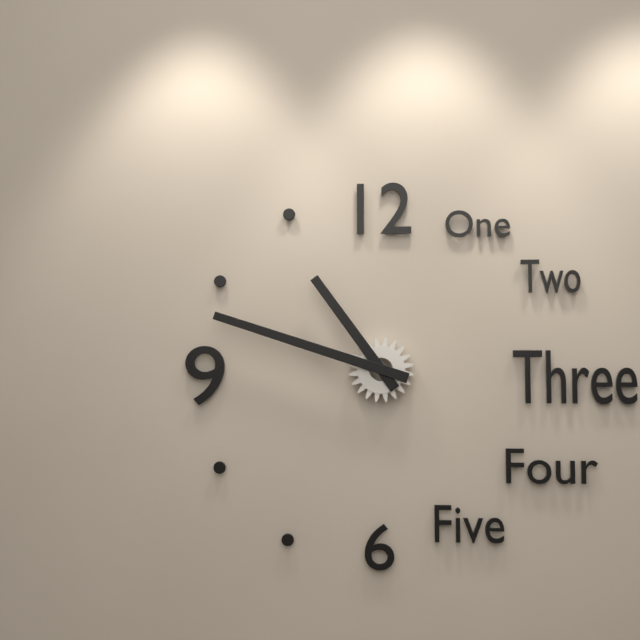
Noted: **10:48**
